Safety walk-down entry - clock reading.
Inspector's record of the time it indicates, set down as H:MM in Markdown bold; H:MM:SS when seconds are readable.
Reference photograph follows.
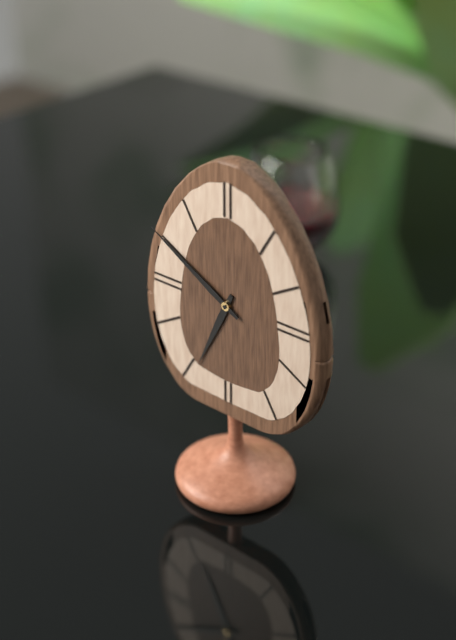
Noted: **6:50**
